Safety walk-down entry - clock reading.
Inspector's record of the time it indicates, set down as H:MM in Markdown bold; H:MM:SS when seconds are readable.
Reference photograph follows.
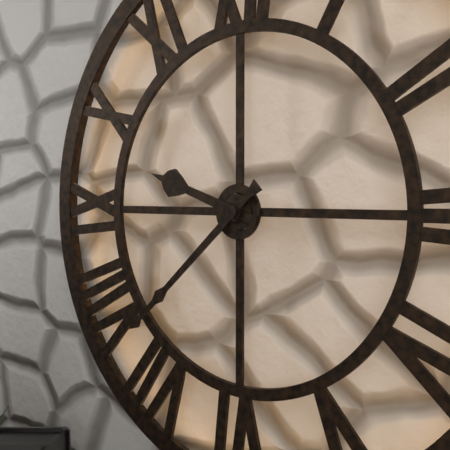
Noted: **9:38**
